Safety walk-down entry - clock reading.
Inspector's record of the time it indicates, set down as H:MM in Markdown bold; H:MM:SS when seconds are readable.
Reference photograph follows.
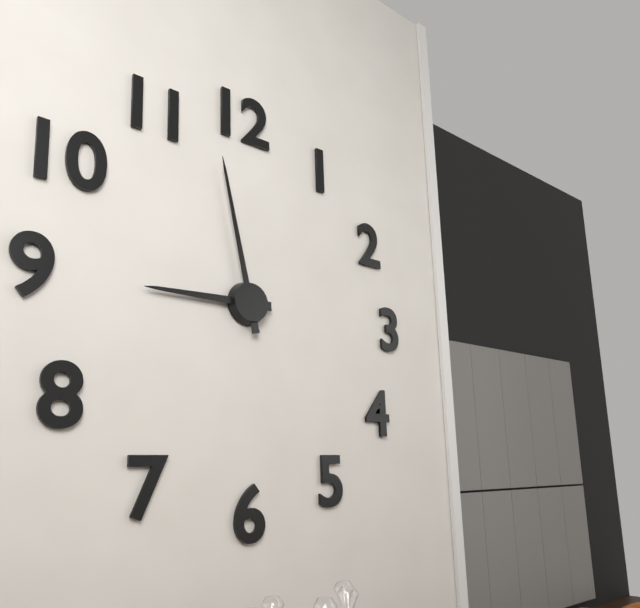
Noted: **8:58**
